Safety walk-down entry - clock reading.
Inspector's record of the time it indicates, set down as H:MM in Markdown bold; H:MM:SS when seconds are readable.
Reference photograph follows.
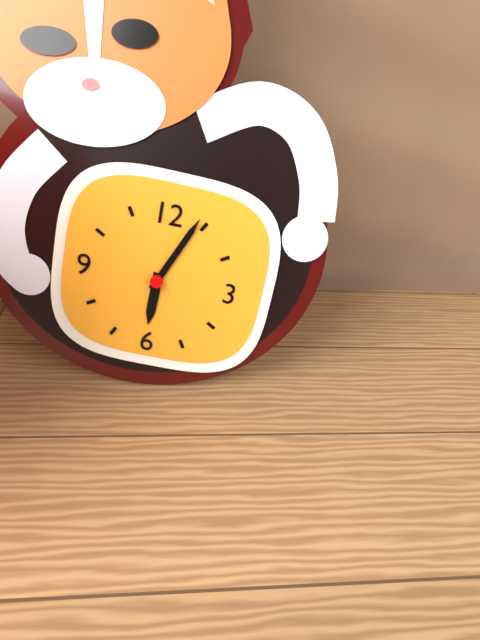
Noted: **6:04**
